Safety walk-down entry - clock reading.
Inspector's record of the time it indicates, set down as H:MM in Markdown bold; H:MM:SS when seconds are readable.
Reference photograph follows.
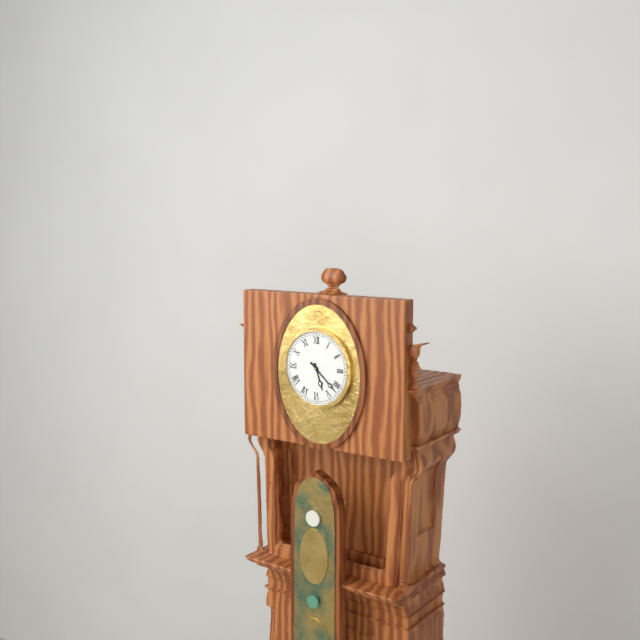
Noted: **5:22**
